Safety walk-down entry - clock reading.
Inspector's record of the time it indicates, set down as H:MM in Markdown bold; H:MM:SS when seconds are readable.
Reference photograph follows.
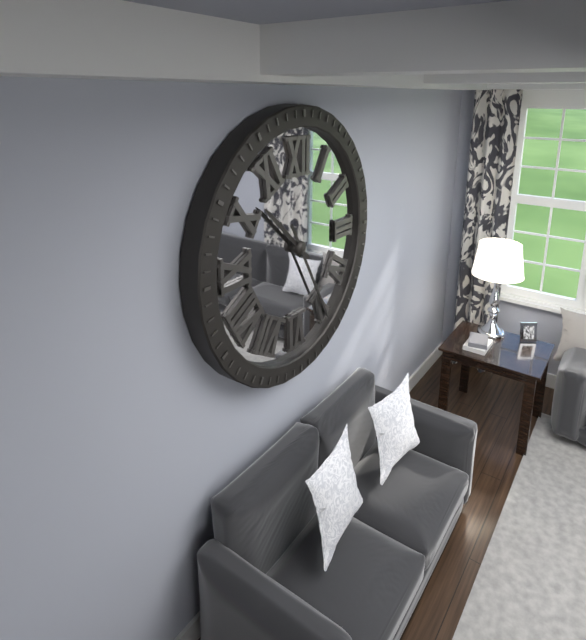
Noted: **10:25**
